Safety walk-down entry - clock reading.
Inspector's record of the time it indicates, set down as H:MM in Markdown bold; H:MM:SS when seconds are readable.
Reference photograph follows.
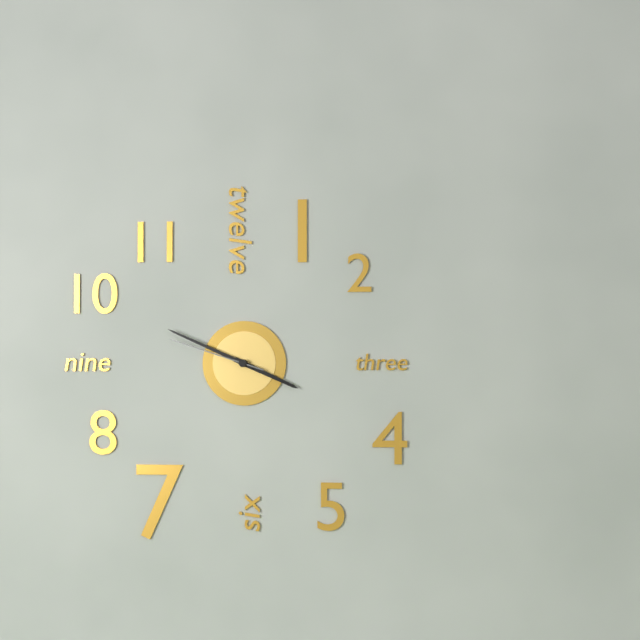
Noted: **3:49:48**
